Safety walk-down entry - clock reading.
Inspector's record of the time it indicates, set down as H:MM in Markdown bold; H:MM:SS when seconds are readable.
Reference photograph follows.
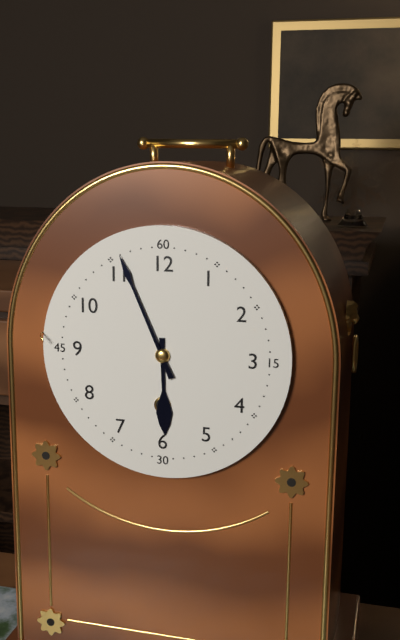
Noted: **5:56**
